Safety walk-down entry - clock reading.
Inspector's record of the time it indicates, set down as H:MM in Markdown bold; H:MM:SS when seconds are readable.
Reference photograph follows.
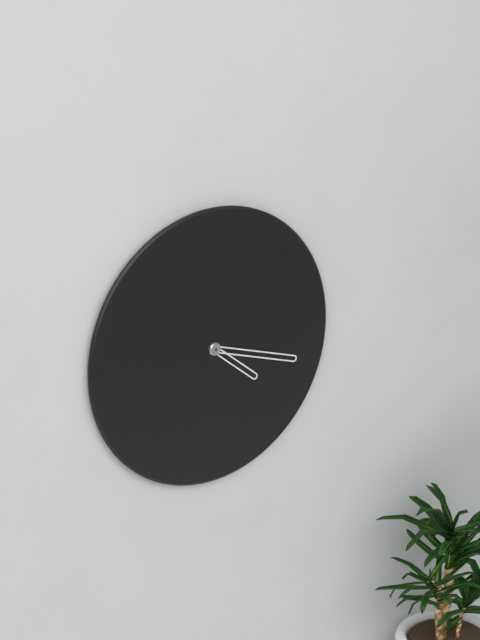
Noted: **4:18**
